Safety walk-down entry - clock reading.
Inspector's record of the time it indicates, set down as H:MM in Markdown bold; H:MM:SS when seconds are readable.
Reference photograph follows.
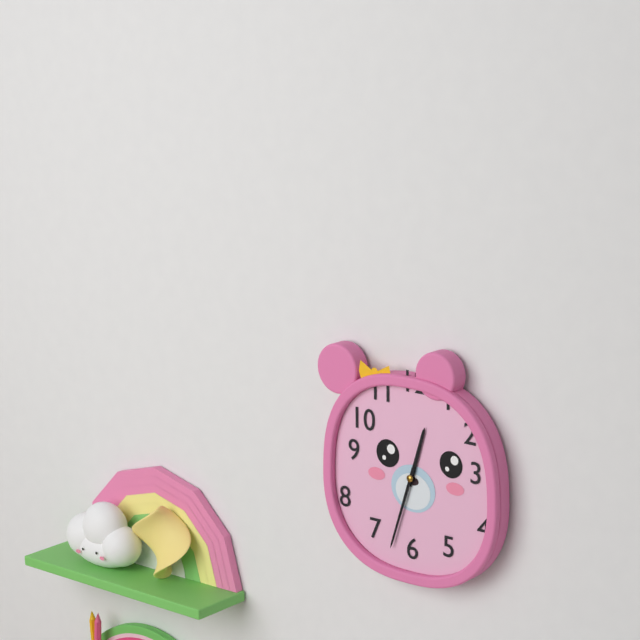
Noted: **12:33**
